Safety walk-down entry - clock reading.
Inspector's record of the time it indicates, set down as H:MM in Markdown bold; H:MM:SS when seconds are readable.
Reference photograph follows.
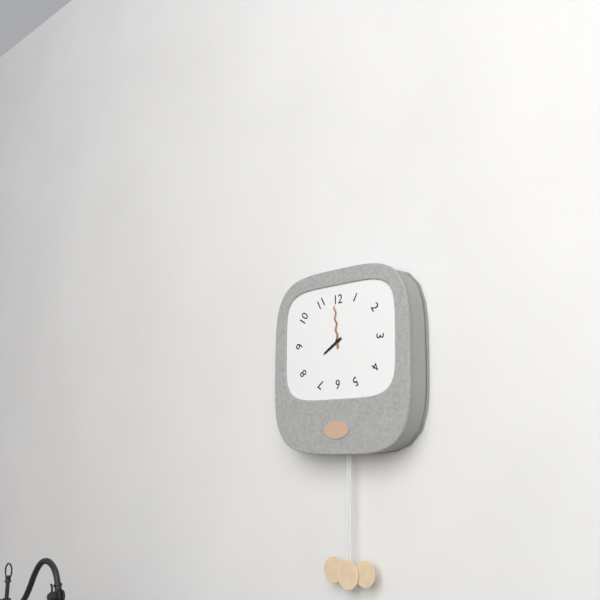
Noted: **7:59**
